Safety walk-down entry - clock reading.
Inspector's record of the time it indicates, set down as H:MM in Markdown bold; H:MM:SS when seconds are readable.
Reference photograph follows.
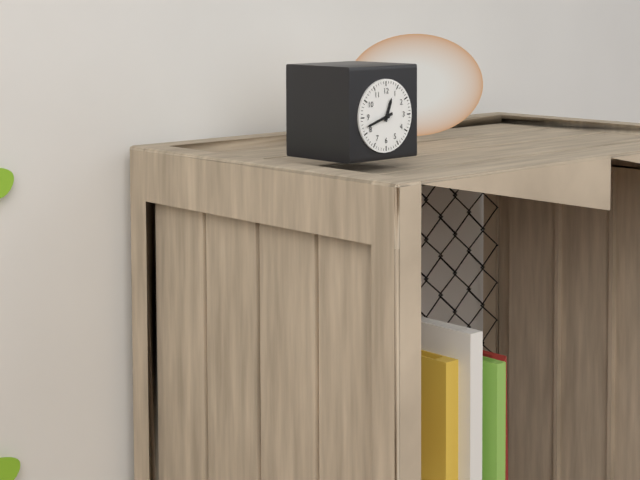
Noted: **12:42**
